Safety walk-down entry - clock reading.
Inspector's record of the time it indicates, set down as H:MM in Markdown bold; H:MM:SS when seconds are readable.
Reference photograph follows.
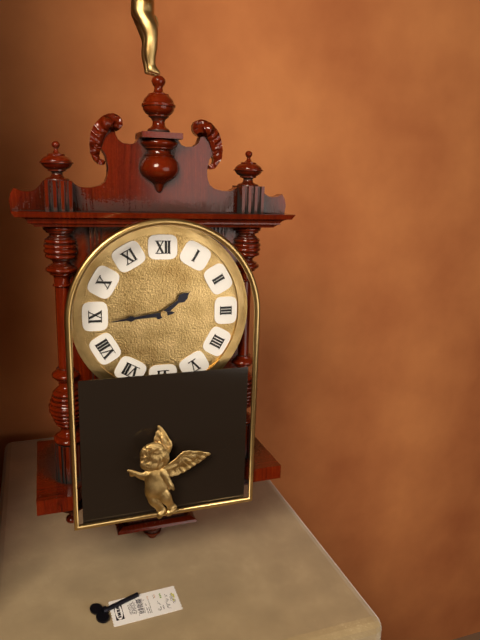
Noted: **1:44**
